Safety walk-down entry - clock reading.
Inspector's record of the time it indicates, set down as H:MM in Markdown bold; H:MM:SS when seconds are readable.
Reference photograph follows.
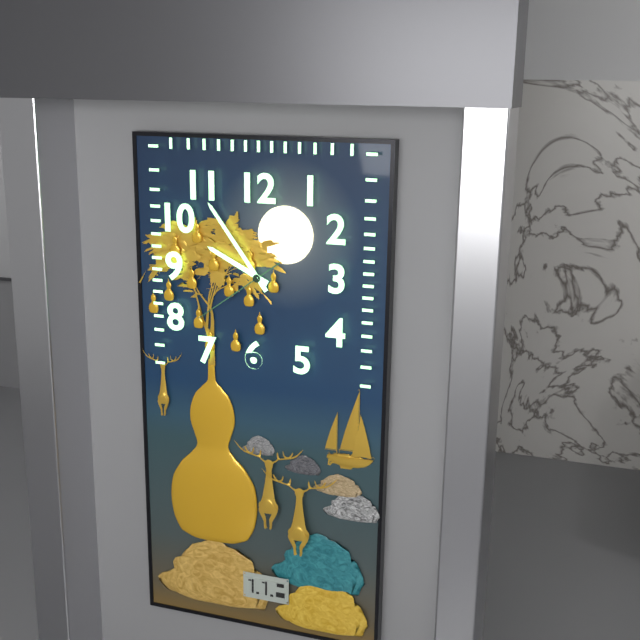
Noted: **9:54:39**
